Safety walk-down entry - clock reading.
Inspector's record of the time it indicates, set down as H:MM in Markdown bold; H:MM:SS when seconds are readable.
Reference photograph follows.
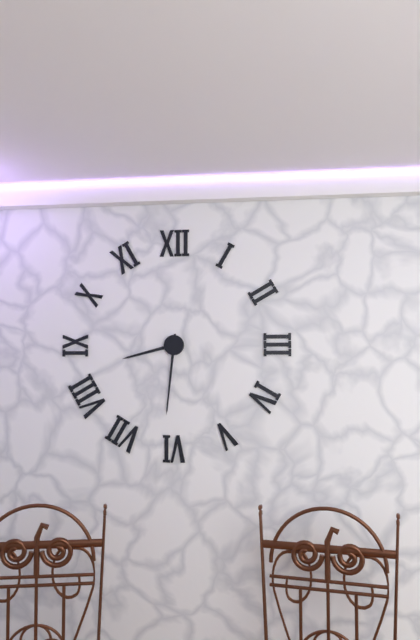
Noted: **8:31**
